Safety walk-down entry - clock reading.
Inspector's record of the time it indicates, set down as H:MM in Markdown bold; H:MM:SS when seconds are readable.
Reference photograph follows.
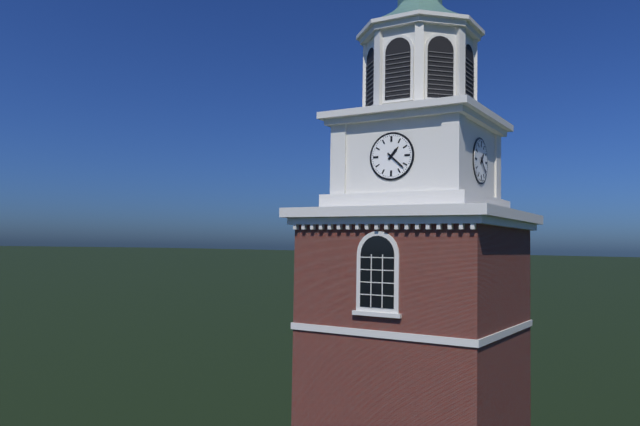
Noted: **1:22**
